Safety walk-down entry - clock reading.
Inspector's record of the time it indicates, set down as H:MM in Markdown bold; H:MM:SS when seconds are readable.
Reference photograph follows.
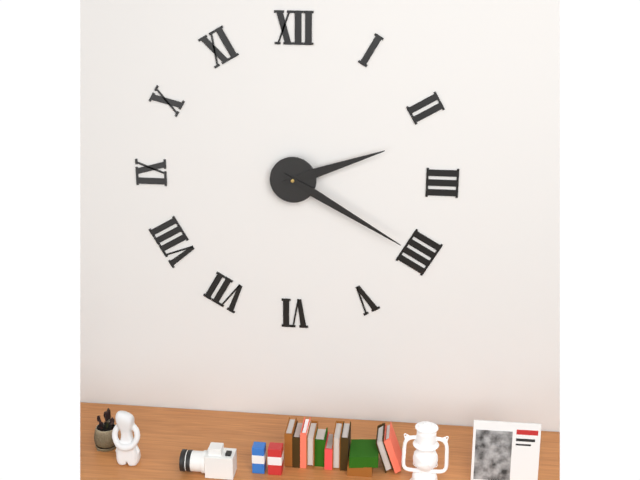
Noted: **2:20**
